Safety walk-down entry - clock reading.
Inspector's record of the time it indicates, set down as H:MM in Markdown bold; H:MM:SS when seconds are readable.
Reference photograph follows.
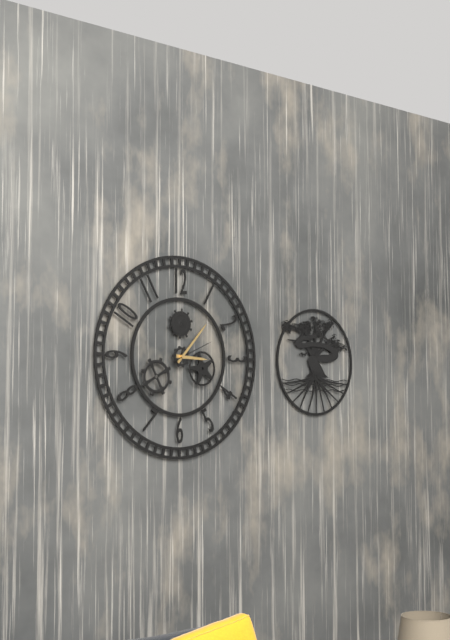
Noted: **3:07**
